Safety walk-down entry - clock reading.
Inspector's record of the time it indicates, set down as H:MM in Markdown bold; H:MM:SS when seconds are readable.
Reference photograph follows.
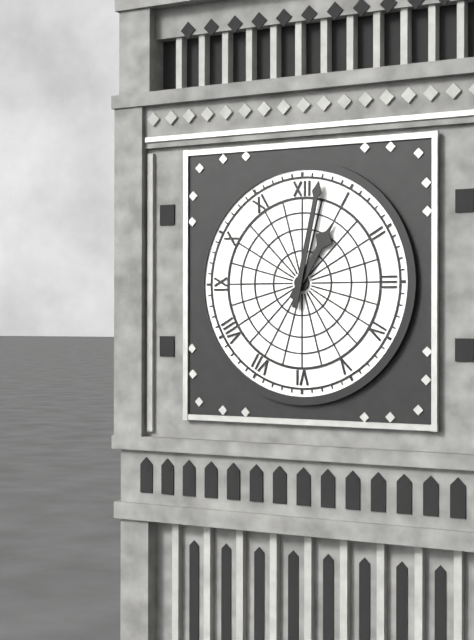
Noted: **1:02**
